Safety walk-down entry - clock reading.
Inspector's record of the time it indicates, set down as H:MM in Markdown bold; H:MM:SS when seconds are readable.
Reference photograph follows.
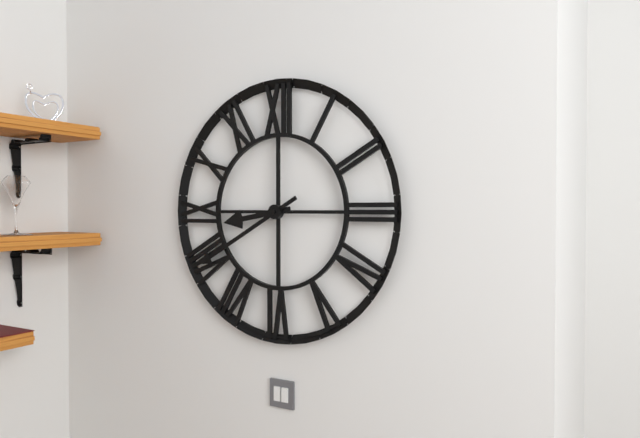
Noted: **8:40**
